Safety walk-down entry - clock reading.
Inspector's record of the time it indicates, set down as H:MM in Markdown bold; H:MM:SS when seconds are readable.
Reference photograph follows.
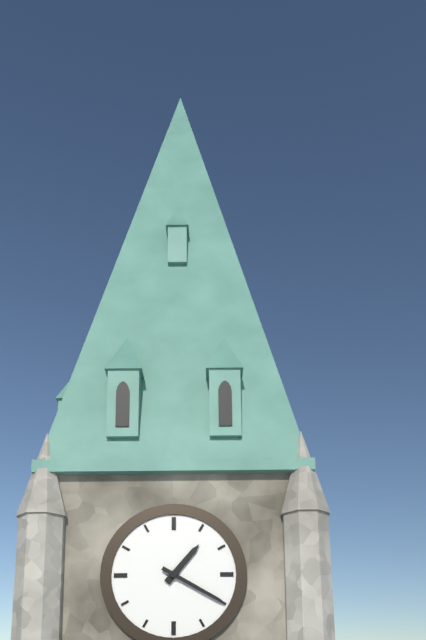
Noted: **1:20**
